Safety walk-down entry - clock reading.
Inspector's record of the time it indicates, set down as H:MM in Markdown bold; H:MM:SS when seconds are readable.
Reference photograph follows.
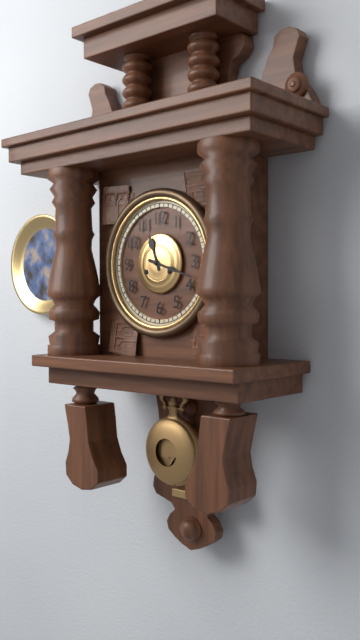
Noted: **11:18**
